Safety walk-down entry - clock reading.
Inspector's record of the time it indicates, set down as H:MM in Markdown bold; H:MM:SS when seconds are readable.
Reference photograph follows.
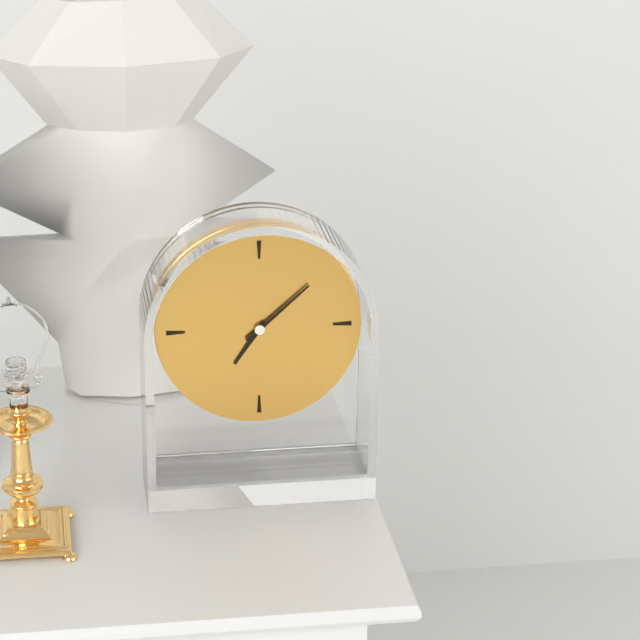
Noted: **7:08**
